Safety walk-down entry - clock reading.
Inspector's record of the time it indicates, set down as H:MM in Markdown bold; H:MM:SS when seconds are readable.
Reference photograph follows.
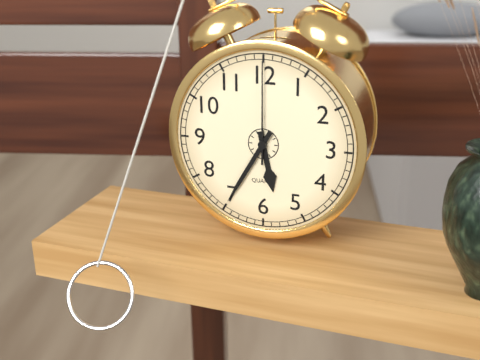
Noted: **5:35:00**
